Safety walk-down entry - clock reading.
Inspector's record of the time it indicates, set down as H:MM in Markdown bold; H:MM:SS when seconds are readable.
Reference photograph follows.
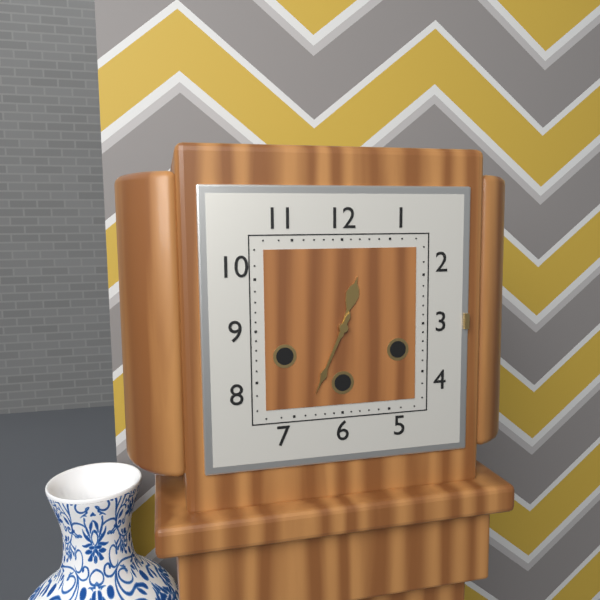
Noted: **12:34**
